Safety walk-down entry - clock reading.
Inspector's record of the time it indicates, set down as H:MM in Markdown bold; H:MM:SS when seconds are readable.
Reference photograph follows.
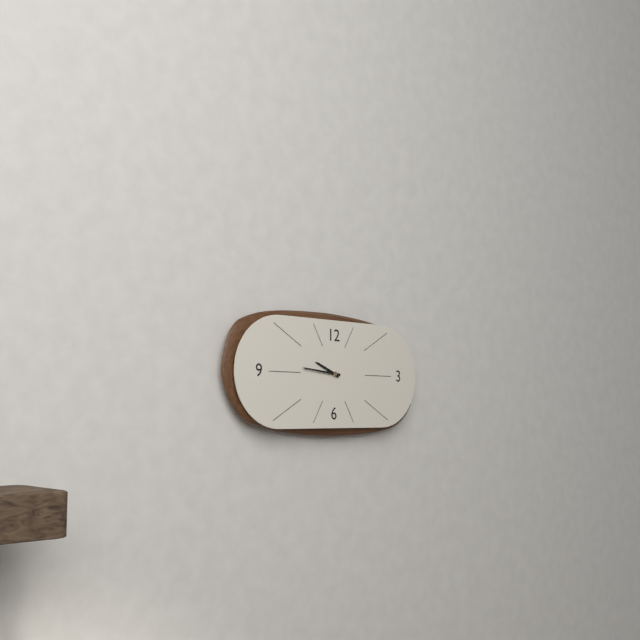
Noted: **9:46**
